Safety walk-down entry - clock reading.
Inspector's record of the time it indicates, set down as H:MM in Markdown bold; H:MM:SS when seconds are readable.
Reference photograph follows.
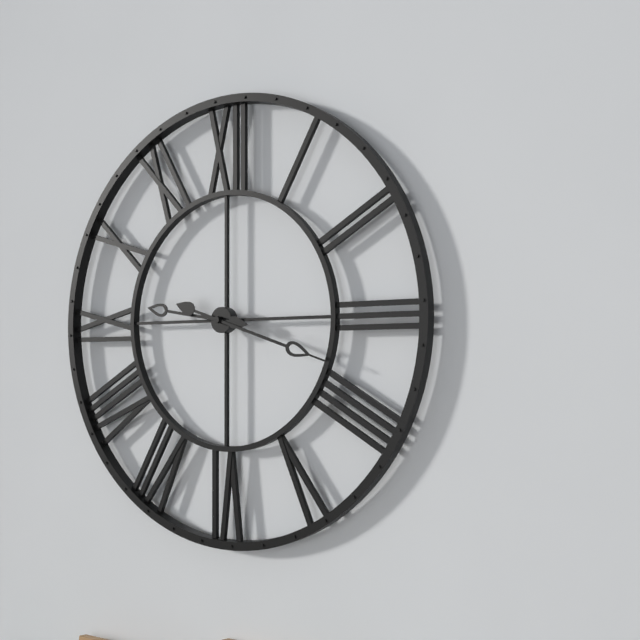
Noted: **9:18**
